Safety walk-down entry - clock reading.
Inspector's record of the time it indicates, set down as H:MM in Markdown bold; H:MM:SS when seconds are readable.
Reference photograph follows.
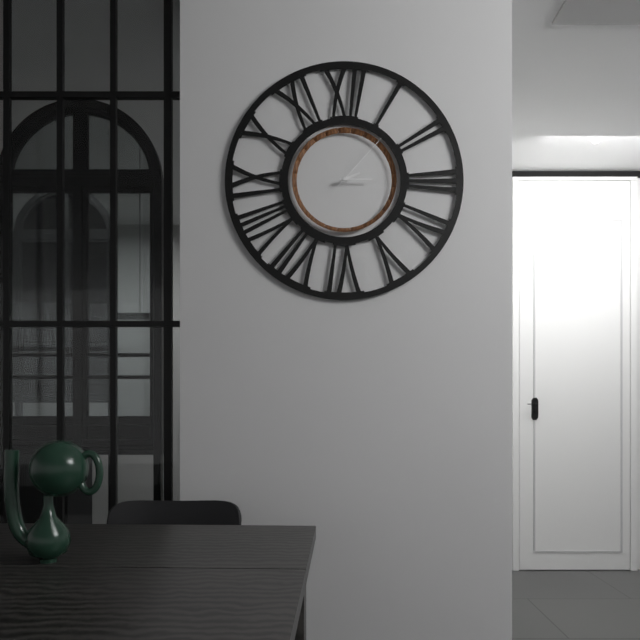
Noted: **2:15:07**
